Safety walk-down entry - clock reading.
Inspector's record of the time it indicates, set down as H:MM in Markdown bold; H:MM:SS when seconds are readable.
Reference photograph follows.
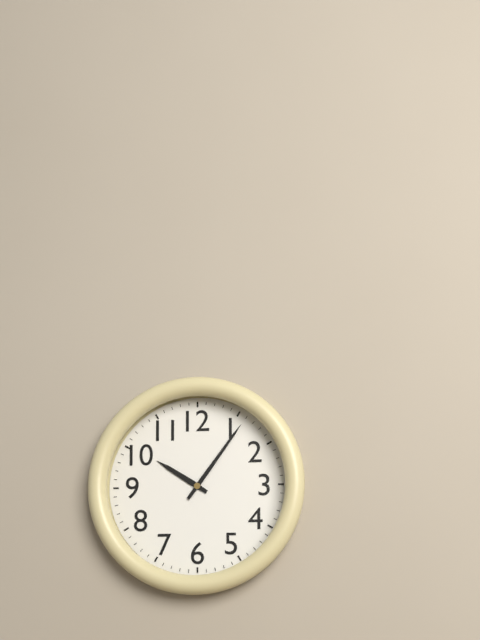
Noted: **10:06**
